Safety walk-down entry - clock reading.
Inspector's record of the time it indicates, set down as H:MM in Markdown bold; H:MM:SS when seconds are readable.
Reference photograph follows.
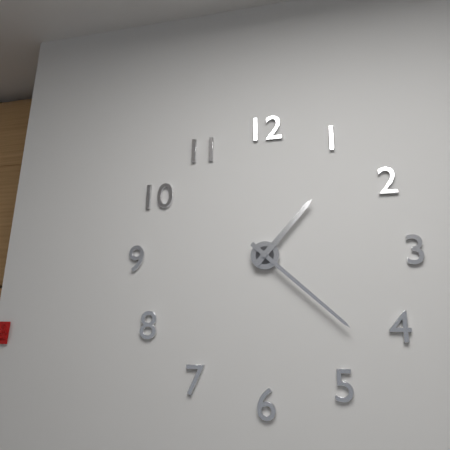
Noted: **1:22**
